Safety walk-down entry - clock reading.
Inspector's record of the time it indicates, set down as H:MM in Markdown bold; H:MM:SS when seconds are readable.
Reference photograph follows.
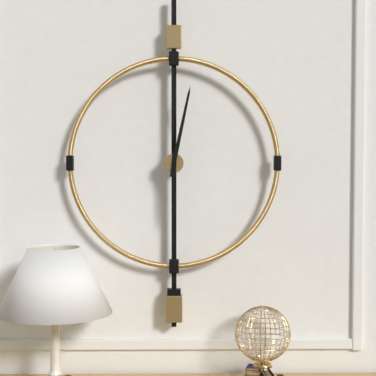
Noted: **6:02**
